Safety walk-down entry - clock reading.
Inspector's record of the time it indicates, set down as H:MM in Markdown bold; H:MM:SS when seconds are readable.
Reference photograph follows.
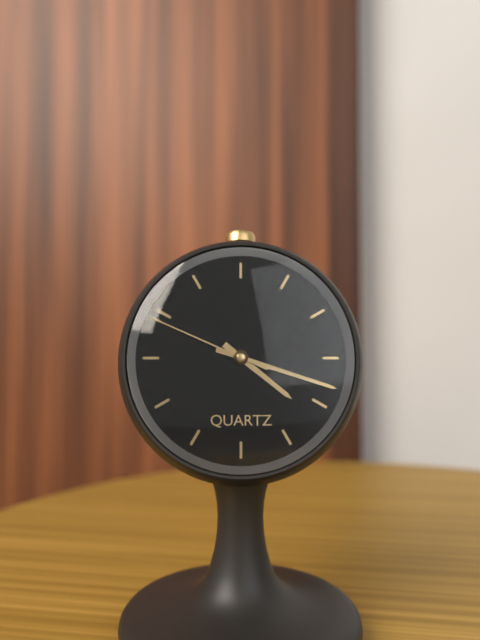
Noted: **4:18:49**
